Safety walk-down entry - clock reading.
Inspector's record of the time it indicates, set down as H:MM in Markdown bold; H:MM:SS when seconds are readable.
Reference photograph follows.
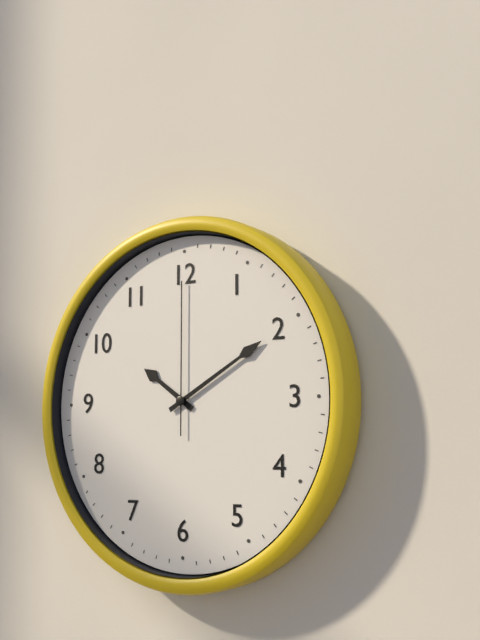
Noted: **10:10:00**
